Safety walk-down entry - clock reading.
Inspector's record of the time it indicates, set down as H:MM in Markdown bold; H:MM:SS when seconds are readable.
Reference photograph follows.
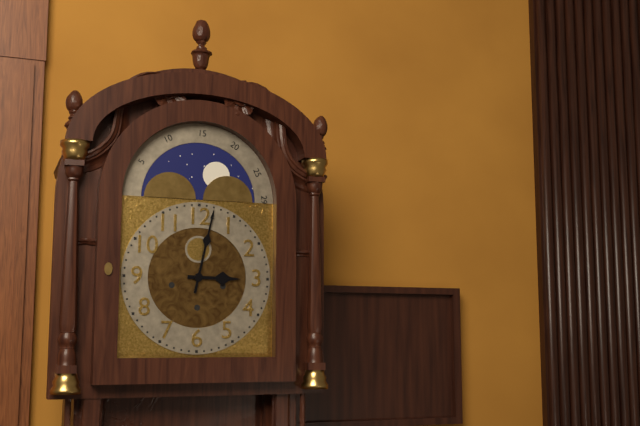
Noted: **3:02**
